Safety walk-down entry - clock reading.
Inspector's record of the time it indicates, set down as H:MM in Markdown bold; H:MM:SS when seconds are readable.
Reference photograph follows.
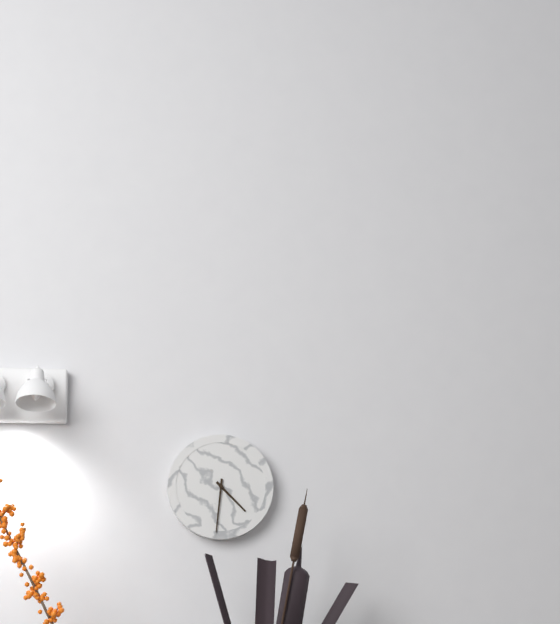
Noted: **4:31**
